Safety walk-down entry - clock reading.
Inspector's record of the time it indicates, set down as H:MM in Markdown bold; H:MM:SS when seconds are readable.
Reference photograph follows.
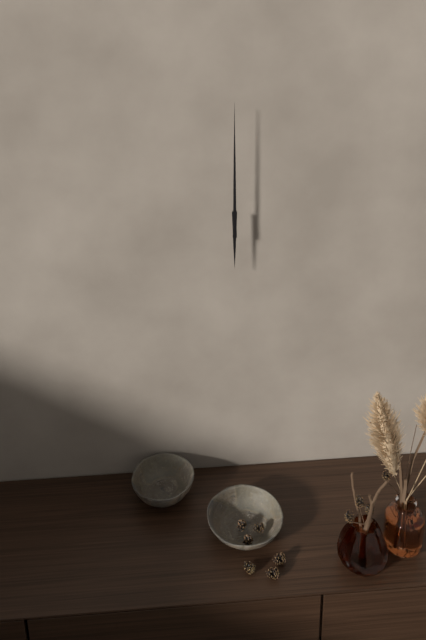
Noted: **6:00**
